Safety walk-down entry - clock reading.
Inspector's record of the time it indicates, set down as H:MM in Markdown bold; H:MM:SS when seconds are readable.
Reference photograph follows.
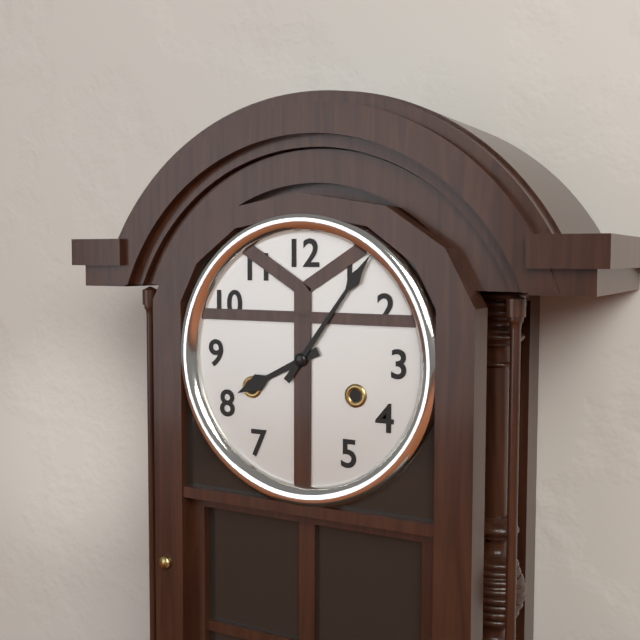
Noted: **8:06**
